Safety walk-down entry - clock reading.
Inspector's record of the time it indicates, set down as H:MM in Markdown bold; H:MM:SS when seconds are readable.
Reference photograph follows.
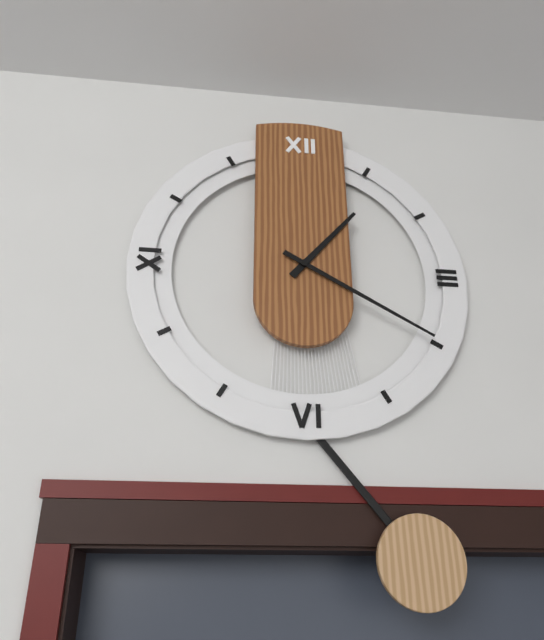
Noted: **1:20**
